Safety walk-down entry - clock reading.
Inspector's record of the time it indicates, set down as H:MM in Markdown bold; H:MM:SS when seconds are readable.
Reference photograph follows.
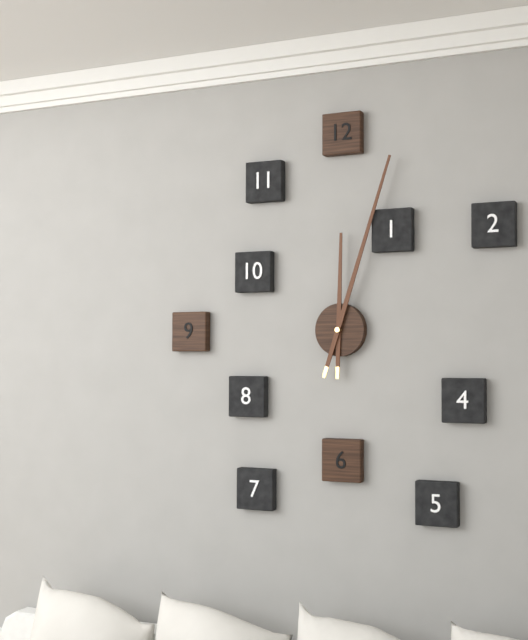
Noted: **12:03**
